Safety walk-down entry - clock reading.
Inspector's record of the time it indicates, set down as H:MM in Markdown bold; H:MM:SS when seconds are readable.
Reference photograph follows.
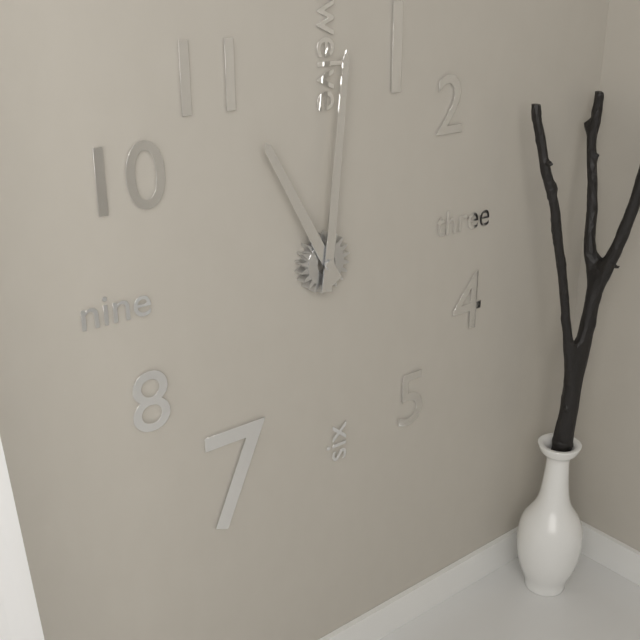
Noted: **11:01**
